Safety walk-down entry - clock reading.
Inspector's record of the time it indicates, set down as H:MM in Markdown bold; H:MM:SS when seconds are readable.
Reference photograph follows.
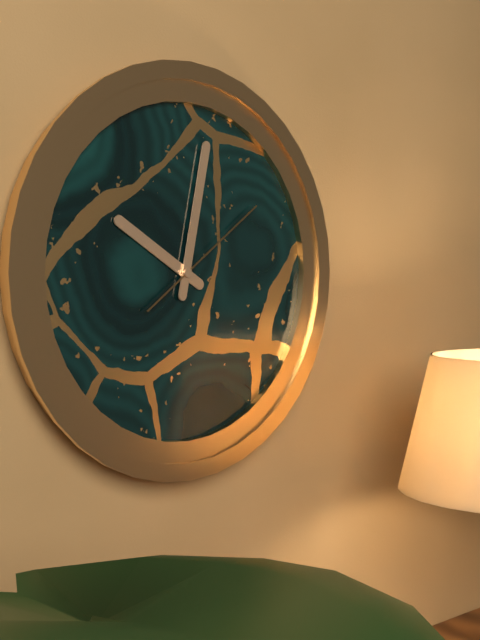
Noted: **10:02:09**
